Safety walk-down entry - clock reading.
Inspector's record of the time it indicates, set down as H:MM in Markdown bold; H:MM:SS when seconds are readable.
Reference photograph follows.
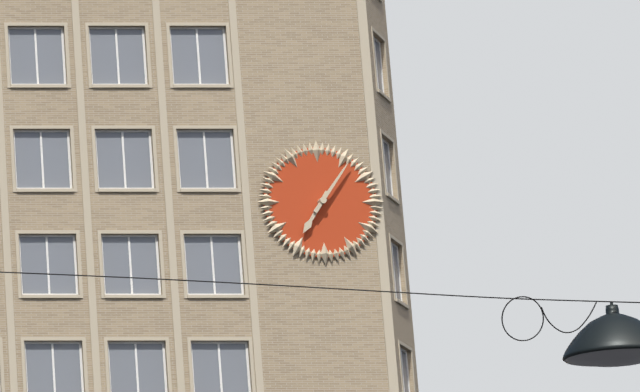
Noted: **7:06**
